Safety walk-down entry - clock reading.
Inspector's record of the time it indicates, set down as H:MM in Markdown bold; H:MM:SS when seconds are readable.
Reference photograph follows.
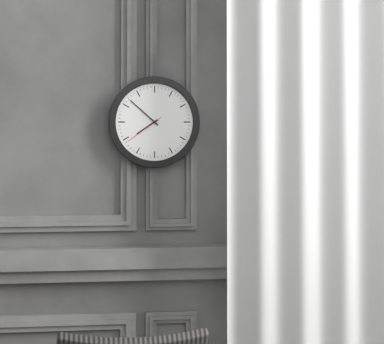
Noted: **7:52**
